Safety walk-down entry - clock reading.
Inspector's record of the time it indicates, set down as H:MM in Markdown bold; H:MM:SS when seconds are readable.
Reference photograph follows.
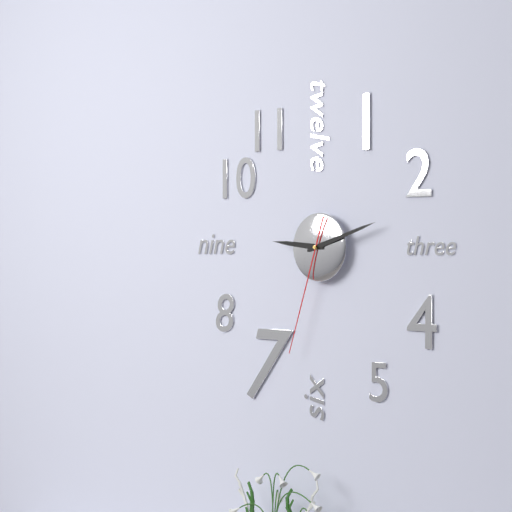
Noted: **9:12:33**
